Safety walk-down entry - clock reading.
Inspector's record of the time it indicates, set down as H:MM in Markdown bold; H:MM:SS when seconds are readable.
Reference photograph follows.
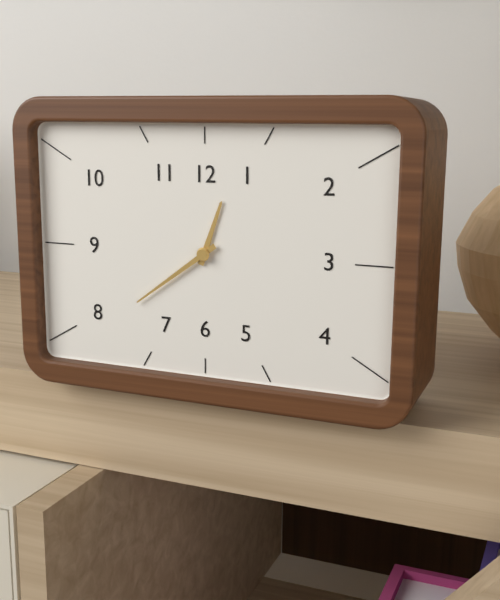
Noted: **12:39**
